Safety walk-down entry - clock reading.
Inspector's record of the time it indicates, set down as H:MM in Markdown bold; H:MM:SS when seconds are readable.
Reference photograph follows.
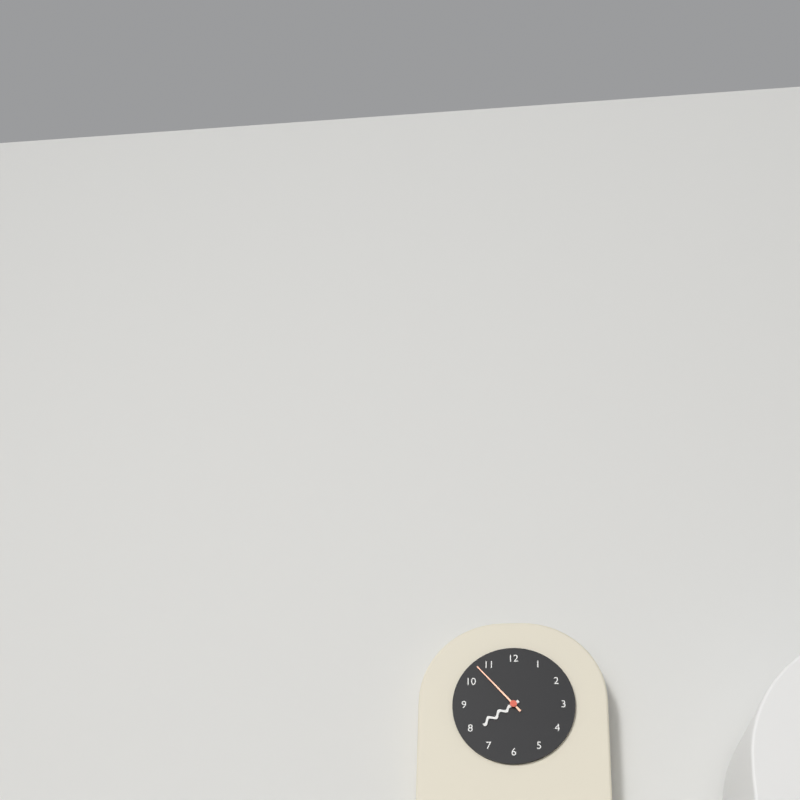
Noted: **7:53**
